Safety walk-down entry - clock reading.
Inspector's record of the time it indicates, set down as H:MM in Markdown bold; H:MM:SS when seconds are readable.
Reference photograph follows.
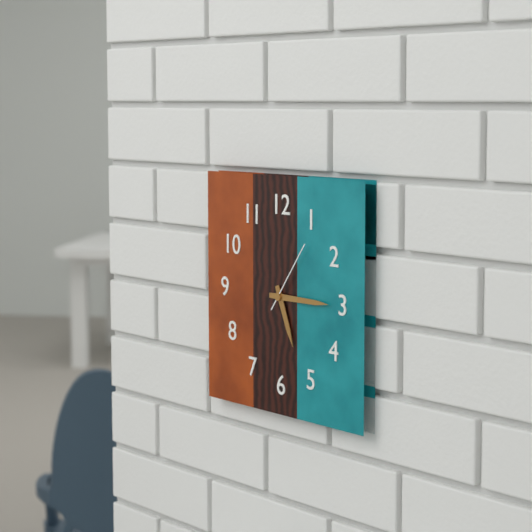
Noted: **5:15:06**
